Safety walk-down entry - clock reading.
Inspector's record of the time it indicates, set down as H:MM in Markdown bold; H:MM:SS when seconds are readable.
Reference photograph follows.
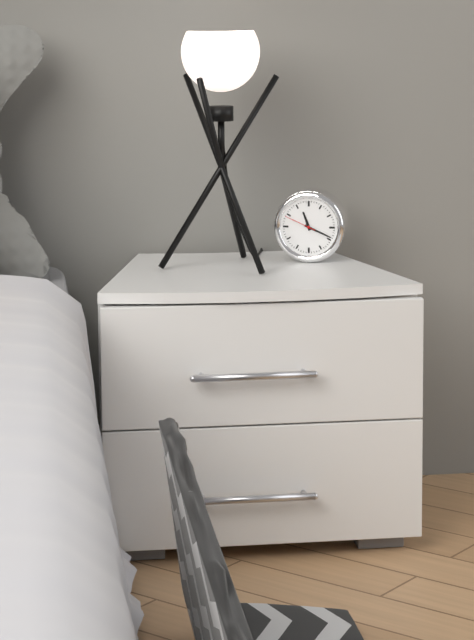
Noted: **11:19**
